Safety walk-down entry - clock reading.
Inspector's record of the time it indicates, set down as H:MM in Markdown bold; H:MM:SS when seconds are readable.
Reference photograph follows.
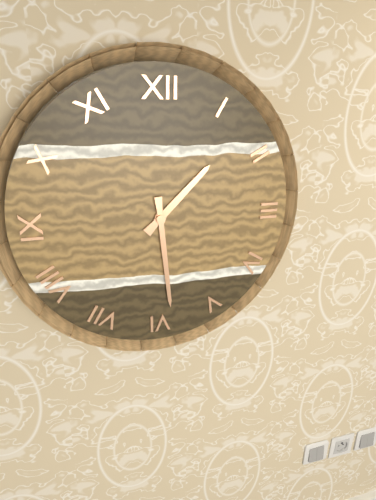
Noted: **1:29**
